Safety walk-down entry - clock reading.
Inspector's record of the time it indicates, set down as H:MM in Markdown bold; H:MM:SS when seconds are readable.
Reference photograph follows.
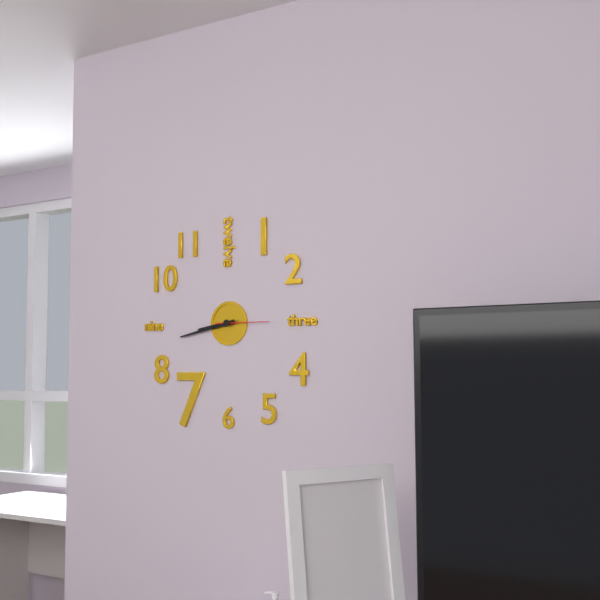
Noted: **8:43:15**
